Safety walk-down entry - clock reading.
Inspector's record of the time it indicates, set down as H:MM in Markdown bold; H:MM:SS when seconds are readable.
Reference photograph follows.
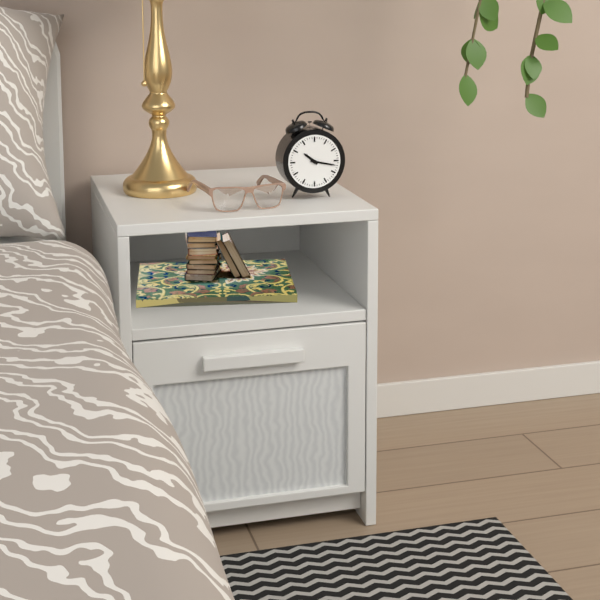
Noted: **10:17**
